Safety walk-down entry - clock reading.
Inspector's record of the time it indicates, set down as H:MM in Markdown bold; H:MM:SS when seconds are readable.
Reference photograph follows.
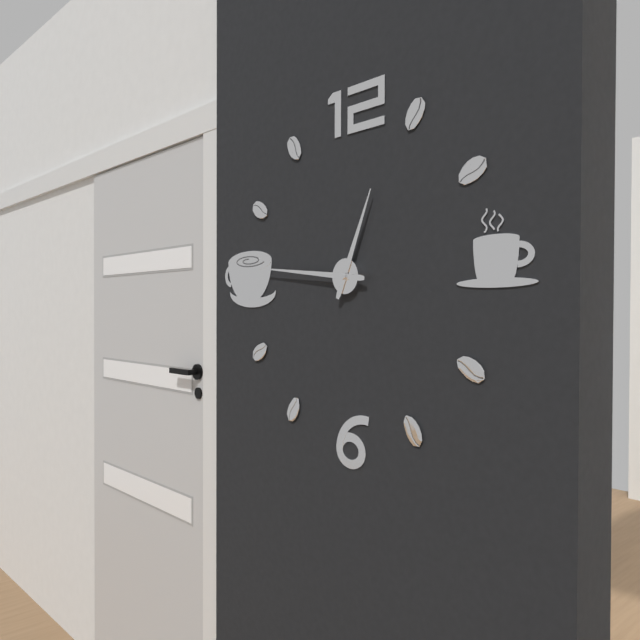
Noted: **12:46**
